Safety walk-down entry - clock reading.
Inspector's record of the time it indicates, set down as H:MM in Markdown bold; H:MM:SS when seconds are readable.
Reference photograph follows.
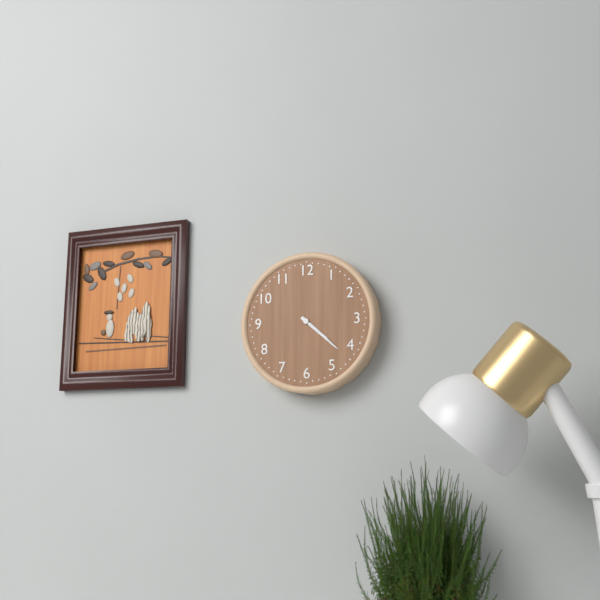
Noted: **4:22**
